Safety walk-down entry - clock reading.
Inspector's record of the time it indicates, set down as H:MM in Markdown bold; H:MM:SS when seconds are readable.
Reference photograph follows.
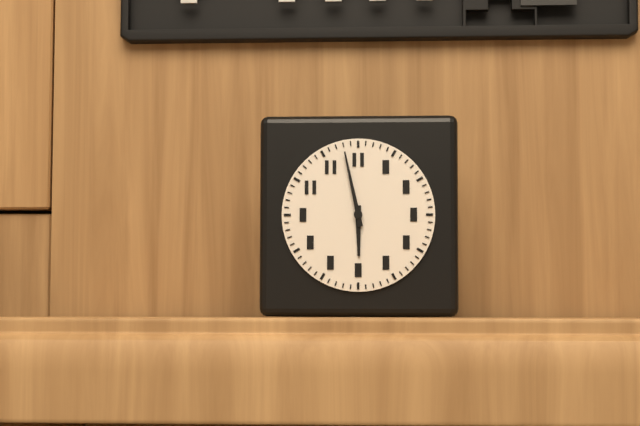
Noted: **5:58**
